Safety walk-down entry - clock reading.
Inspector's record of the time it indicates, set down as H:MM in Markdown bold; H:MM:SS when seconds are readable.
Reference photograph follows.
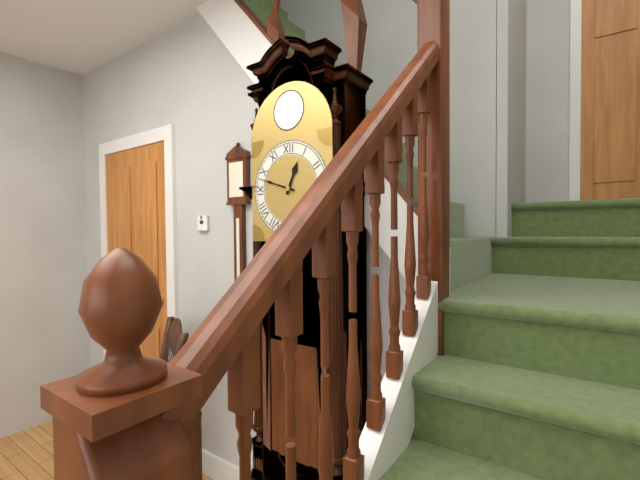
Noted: **12:48**
